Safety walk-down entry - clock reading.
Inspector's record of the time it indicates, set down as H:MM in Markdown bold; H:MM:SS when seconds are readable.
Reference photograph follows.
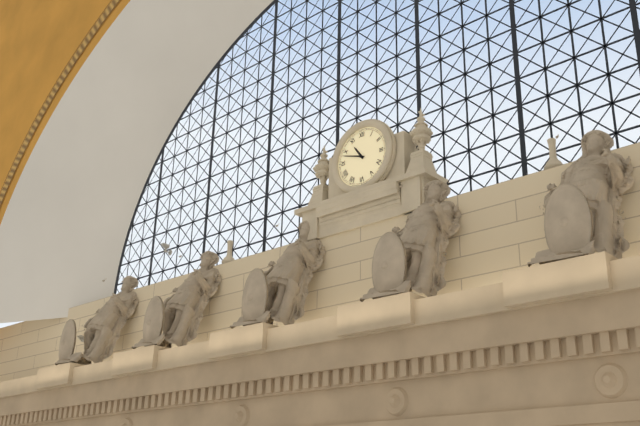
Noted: **10:48**
